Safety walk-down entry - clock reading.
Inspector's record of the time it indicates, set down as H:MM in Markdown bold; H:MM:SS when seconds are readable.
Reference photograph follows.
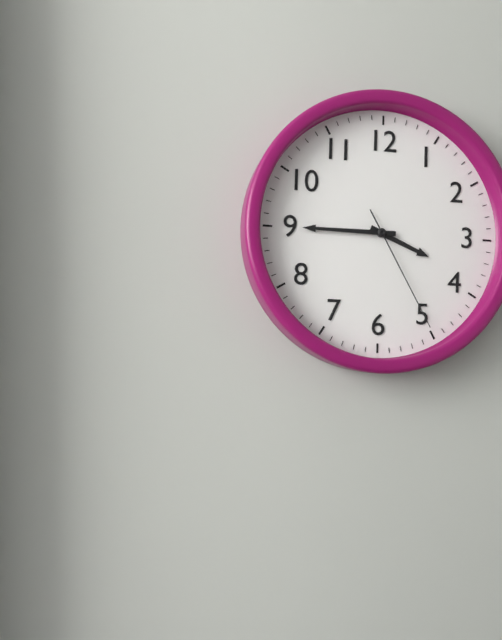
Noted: **3:45:25**
